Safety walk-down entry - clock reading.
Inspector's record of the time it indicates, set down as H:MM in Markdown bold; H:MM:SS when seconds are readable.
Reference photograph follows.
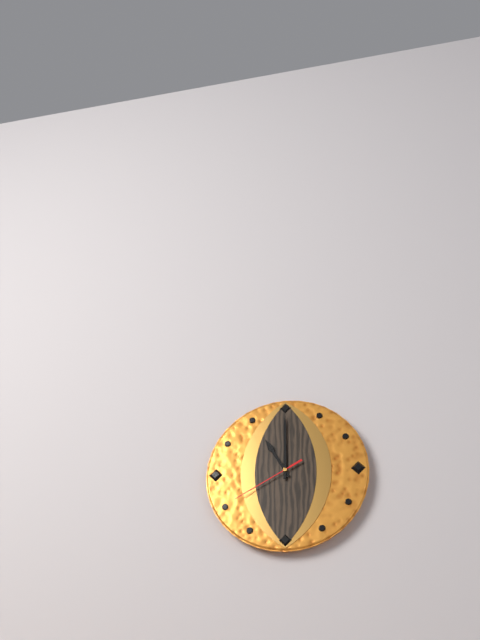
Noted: **11:00:40**
